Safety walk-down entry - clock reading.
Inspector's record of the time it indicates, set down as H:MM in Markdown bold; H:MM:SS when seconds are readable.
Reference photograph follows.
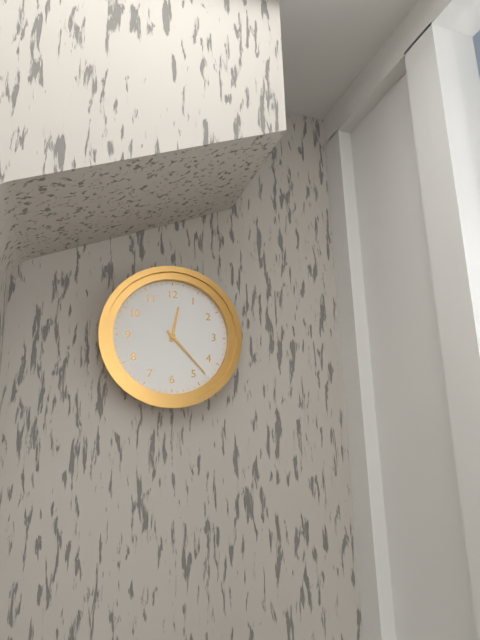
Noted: **12:23**
